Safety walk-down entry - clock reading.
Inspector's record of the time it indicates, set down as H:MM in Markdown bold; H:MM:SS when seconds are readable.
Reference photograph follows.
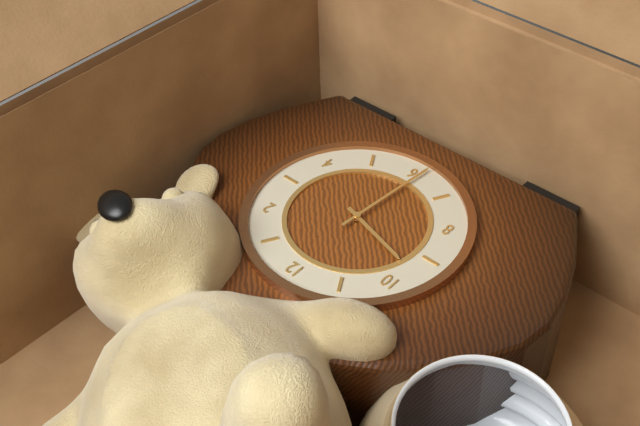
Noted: **9:31**
